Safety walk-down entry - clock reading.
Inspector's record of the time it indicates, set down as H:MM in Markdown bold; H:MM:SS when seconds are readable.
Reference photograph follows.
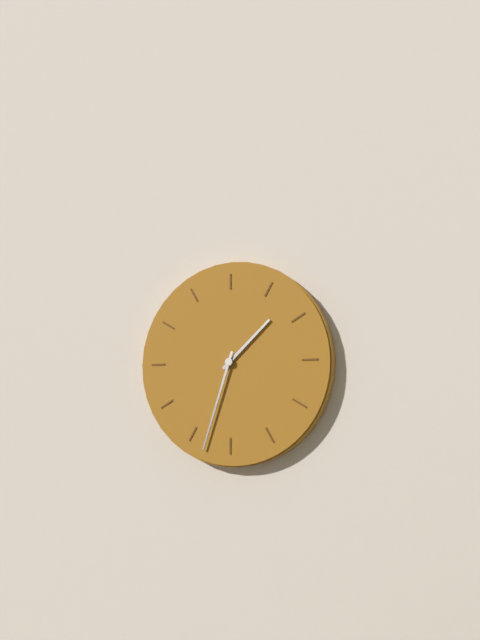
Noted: **1:33**
